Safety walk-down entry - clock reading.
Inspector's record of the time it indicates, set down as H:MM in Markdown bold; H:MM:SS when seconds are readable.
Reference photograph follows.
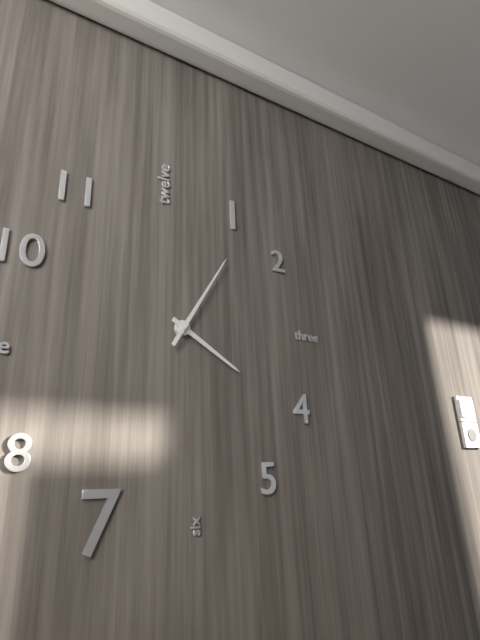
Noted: **4:05**
